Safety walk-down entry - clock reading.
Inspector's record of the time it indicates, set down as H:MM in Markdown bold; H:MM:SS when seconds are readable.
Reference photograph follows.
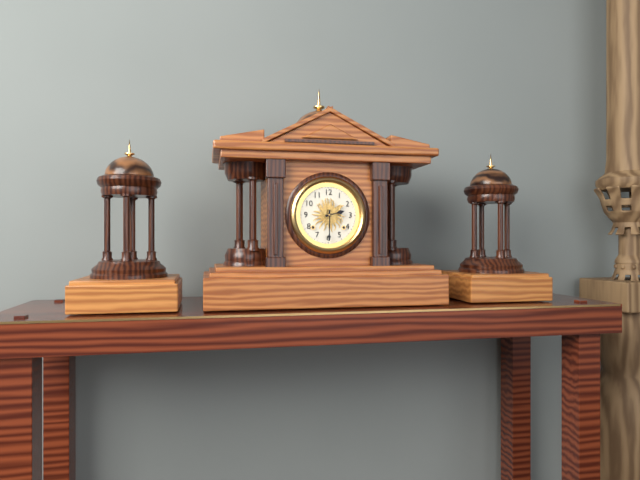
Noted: **2:30**
